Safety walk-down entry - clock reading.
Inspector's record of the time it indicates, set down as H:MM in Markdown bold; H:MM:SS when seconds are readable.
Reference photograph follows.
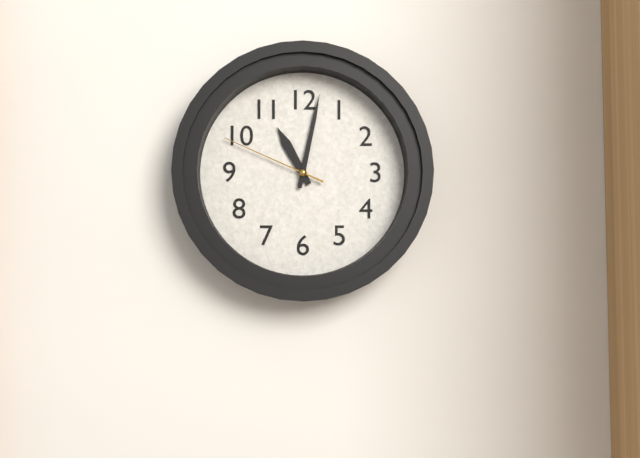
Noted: **11:02:49**
